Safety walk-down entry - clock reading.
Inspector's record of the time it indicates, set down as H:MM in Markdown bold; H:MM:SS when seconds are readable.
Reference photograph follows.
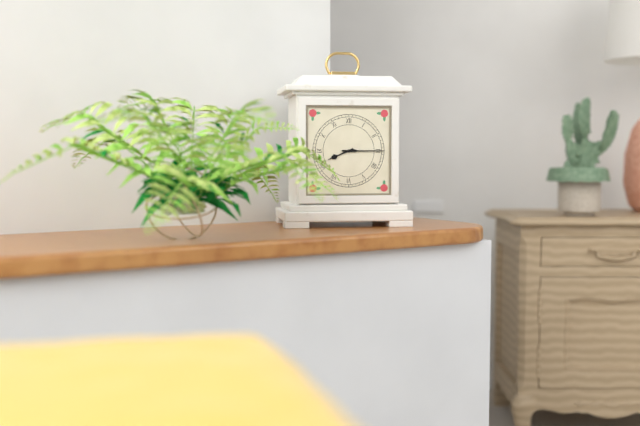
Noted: **8:15**
